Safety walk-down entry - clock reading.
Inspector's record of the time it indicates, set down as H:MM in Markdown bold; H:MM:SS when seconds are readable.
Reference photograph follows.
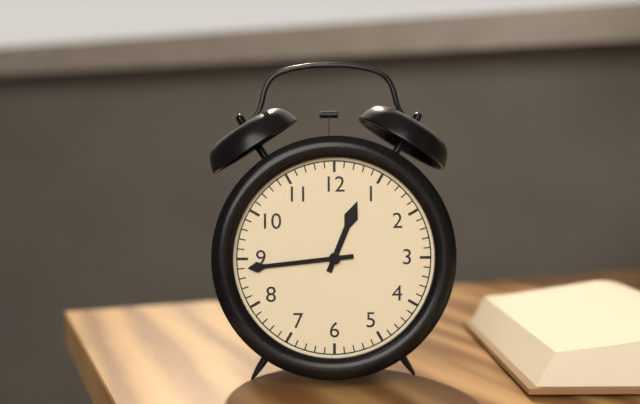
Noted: **12:44**
